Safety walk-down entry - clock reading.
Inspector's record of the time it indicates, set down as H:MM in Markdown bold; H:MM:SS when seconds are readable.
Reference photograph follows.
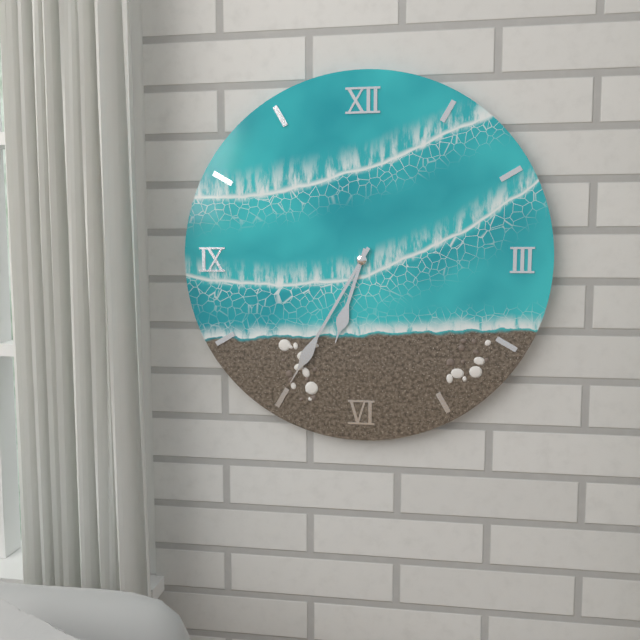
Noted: **6:35**
